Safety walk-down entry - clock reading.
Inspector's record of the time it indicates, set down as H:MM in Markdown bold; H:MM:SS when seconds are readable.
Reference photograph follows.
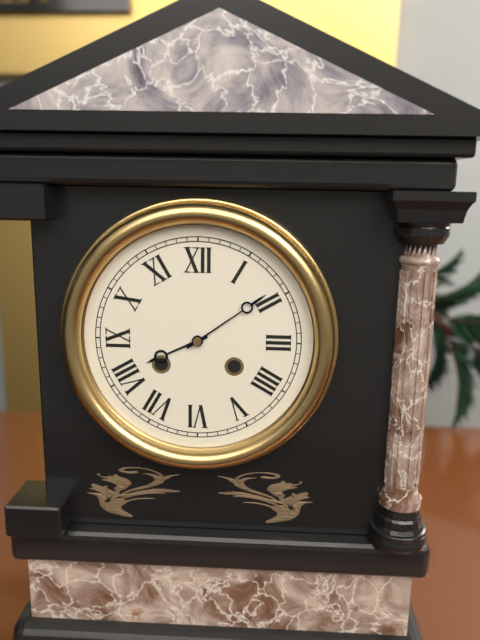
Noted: **8:09**
